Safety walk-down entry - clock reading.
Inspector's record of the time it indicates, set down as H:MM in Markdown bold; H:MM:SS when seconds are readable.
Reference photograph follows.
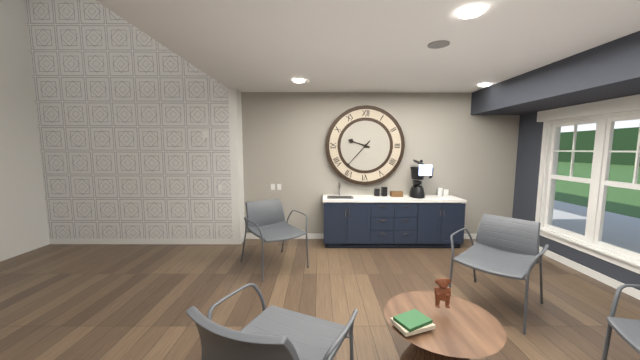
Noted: **9:37**
